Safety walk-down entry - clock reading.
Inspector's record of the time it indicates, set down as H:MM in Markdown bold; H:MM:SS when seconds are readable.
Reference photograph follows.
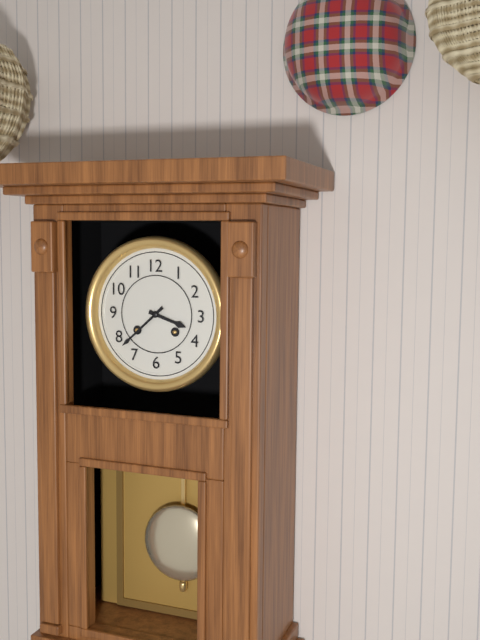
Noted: **3:38**
